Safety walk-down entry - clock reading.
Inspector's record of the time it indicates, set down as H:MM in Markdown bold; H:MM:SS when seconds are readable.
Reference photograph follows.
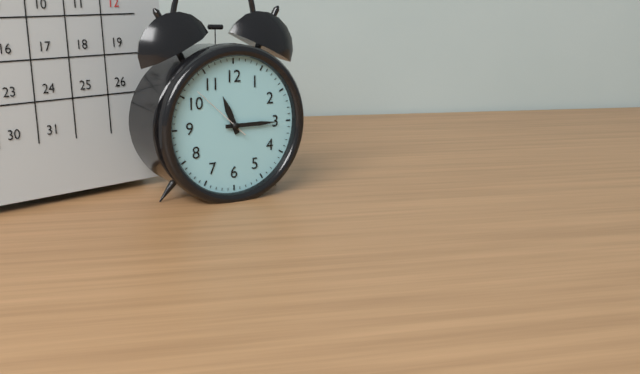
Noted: **11:15:52**
